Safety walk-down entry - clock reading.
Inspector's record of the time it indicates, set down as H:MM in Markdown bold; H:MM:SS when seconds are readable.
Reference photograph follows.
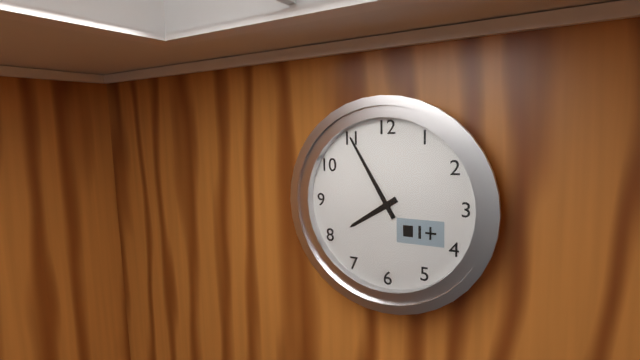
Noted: **7:55**
